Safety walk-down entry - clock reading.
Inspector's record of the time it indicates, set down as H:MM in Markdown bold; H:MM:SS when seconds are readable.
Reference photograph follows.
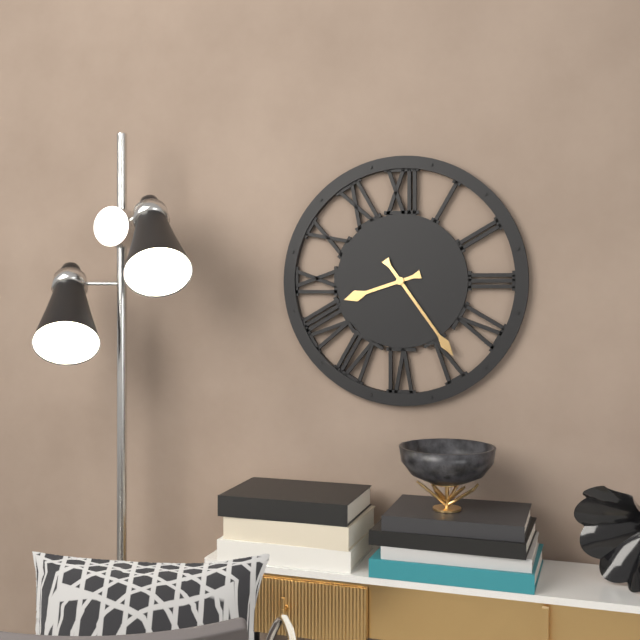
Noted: **8:24**
